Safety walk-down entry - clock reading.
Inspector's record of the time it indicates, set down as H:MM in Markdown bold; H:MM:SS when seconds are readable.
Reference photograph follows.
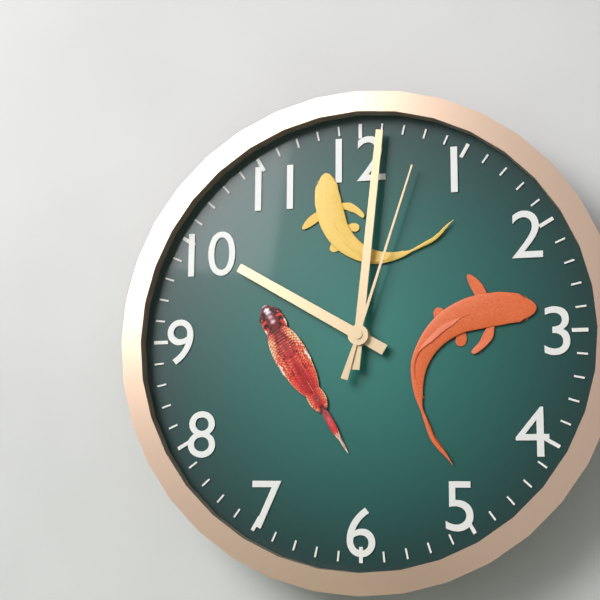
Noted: **10:01:03**
